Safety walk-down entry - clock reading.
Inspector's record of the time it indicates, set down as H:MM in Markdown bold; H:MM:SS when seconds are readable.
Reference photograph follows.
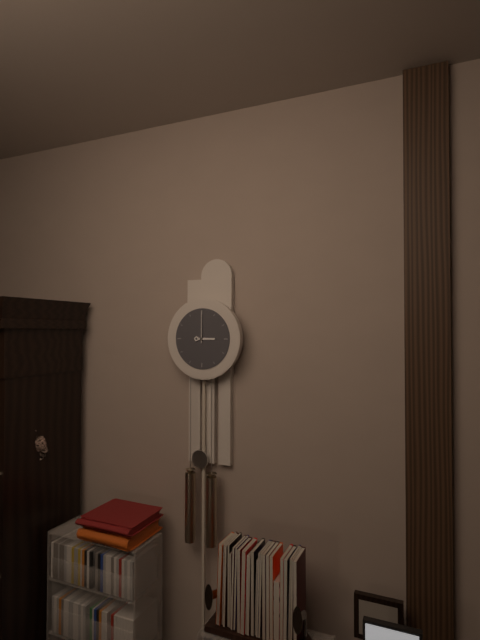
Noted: **3:00**
